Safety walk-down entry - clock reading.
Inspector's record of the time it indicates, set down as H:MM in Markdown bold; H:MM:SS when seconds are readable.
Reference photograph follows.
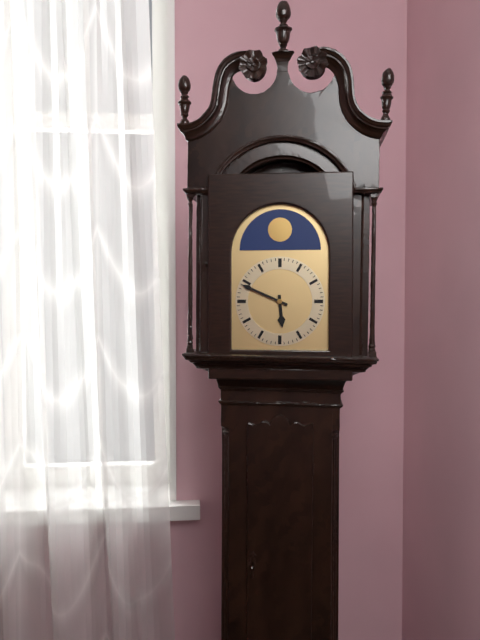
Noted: **5:49**
